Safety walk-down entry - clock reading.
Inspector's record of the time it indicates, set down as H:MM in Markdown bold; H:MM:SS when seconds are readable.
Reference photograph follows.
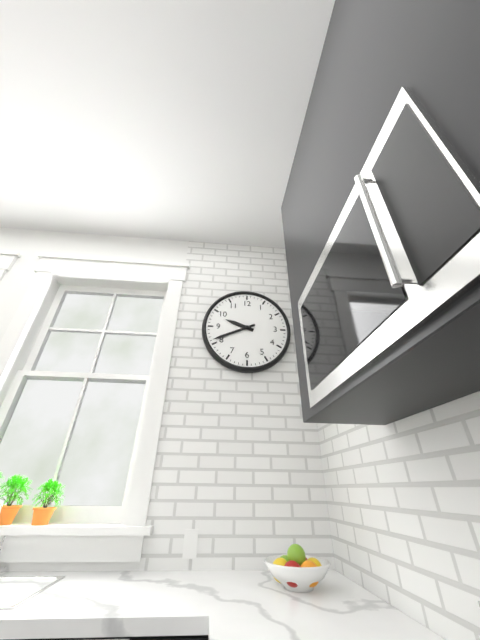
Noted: **9:41**
